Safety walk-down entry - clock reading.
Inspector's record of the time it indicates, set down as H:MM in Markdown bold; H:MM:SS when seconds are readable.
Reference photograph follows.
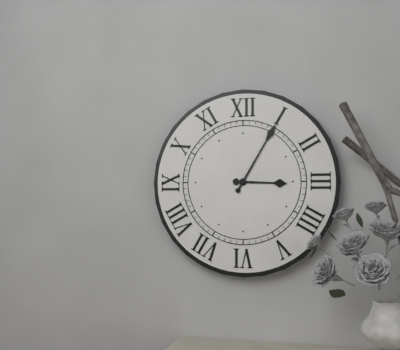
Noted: **3:05**
